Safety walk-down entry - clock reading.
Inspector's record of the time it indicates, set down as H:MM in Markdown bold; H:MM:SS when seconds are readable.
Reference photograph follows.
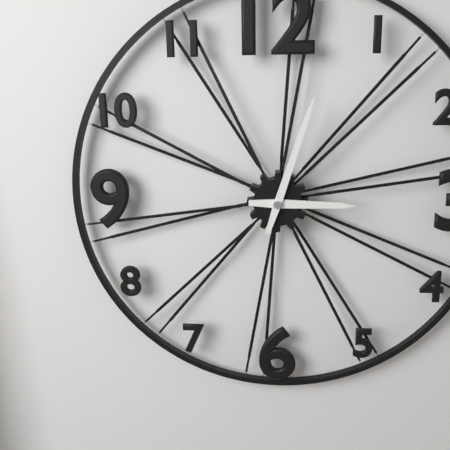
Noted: **3:03**
